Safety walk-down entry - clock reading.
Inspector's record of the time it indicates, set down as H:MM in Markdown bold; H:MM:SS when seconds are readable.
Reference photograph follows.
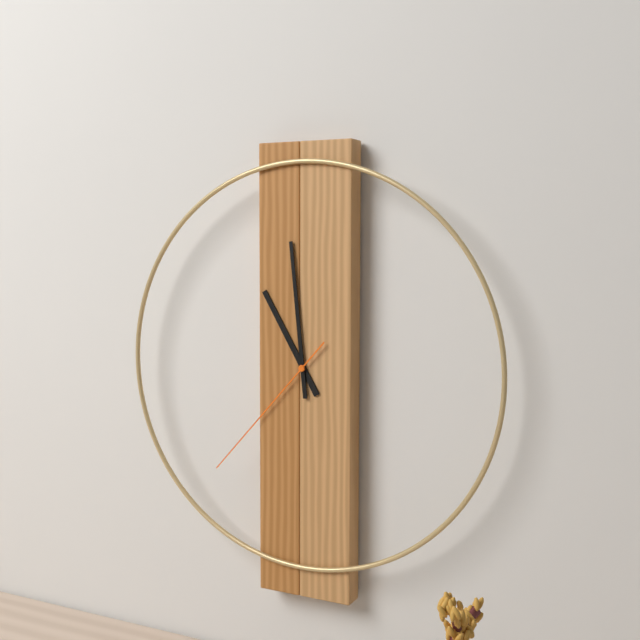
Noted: **10:59:37**
